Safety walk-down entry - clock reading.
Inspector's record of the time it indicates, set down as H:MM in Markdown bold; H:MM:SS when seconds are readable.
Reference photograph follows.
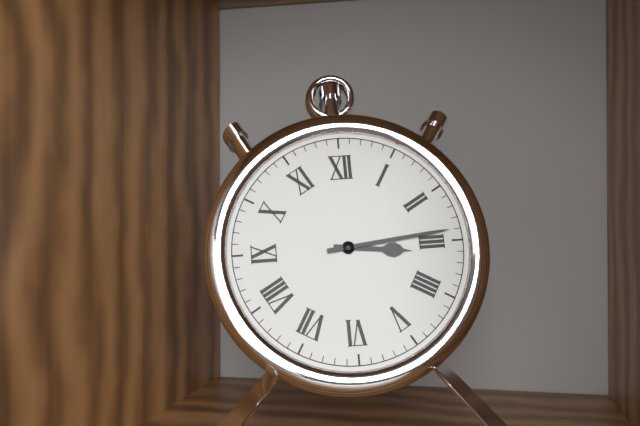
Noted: **3:14**
